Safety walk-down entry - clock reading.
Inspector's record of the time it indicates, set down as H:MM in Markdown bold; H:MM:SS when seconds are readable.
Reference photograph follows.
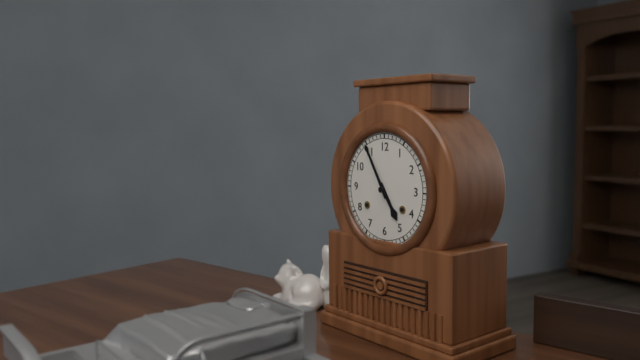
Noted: **4:55**
